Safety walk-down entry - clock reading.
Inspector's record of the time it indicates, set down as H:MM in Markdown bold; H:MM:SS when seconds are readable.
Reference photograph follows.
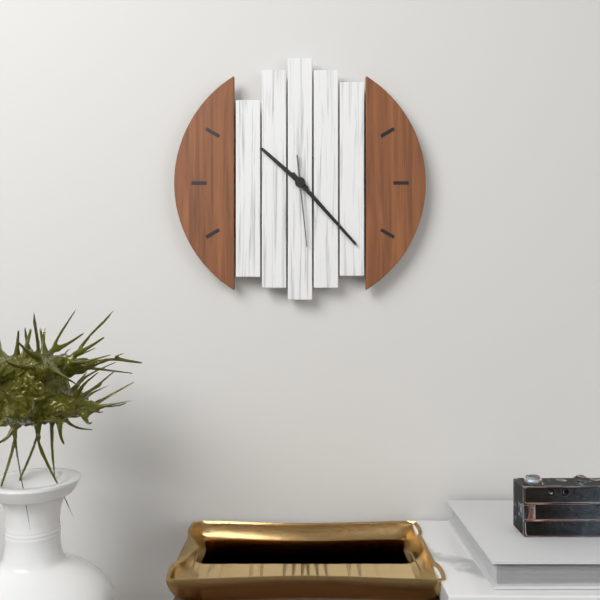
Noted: **10:23:29**
